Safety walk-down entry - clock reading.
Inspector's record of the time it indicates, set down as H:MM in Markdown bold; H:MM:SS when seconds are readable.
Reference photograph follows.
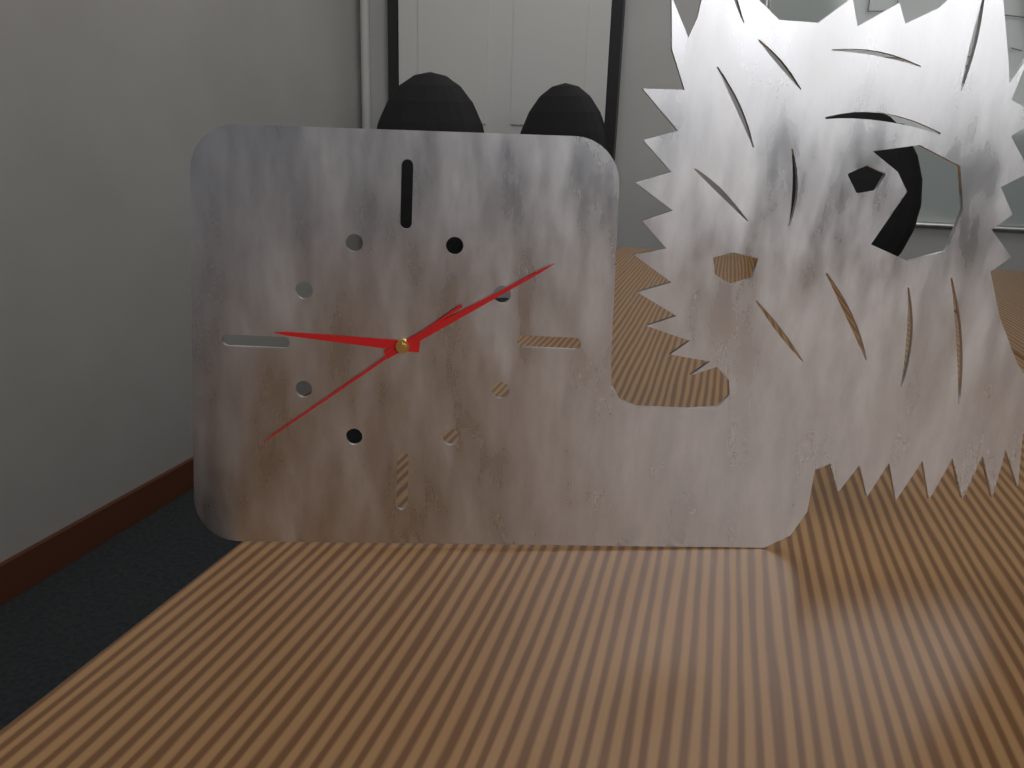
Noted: **9:10:39**
